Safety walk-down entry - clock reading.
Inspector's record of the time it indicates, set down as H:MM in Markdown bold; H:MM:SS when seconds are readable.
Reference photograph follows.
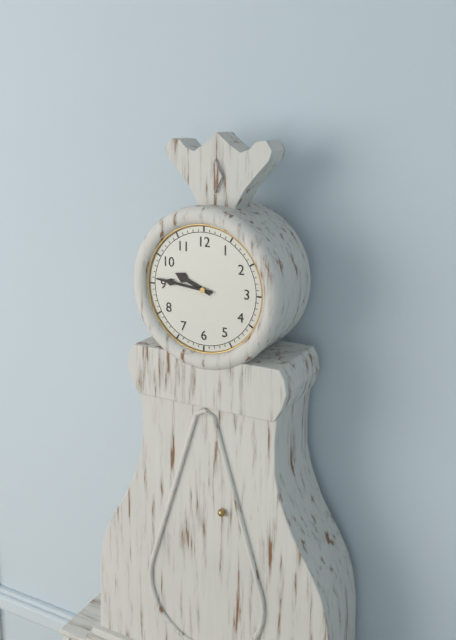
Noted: **9:46**
